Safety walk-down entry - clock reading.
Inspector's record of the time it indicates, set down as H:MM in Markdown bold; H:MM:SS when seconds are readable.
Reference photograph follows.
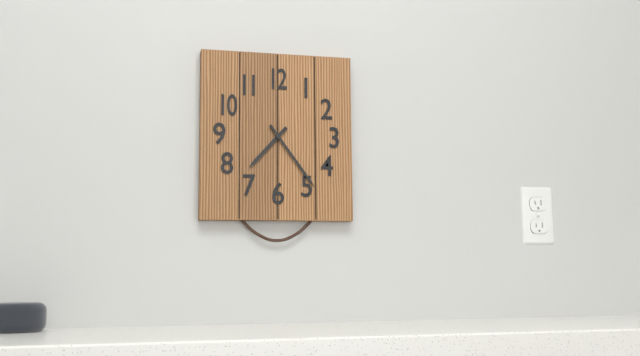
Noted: **7:24**
